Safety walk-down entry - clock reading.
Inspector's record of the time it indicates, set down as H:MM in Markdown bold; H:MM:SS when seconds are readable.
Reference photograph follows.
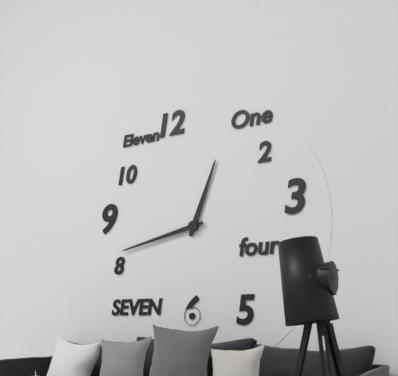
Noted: **12:43**
